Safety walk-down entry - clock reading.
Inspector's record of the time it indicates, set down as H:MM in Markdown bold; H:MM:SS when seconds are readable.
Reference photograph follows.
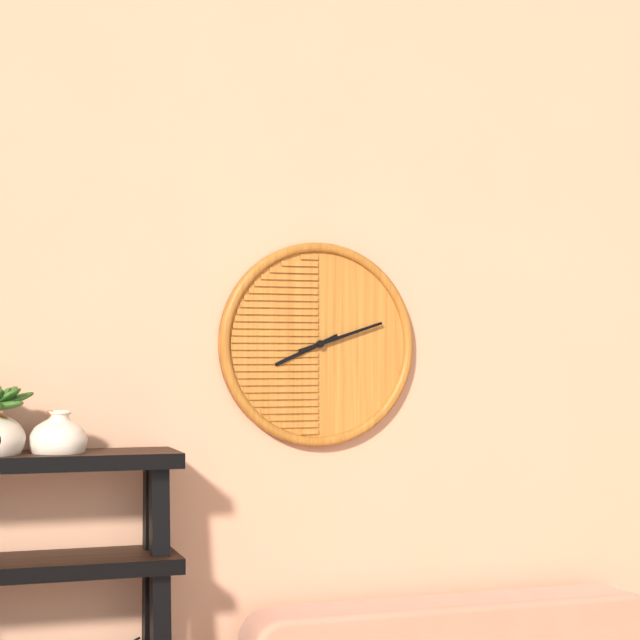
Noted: **8:12**
